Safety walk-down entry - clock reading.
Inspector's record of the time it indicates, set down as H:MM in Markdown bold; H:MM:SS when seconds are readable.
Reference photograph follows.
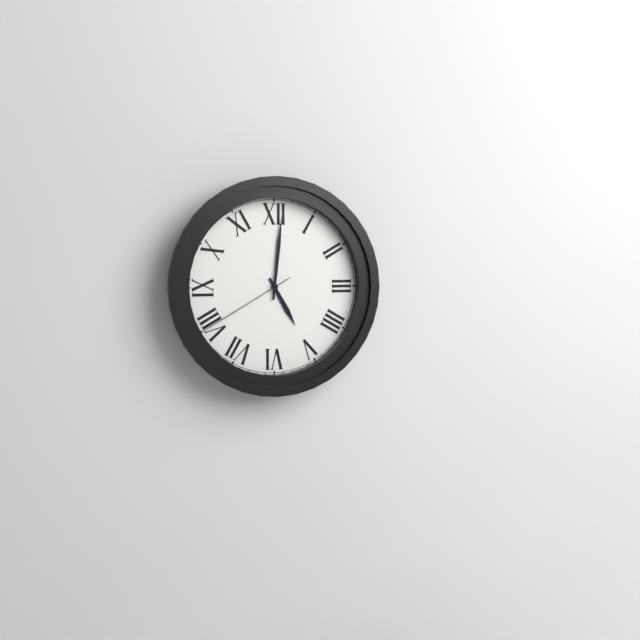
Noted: **5:01:40**
